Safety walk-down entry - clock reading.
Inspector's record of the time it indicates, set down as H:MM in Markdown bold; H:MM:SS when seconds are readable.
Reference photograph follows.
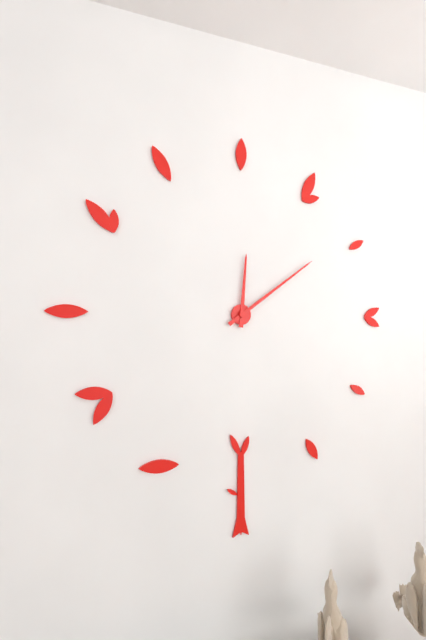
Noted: **12:09**
